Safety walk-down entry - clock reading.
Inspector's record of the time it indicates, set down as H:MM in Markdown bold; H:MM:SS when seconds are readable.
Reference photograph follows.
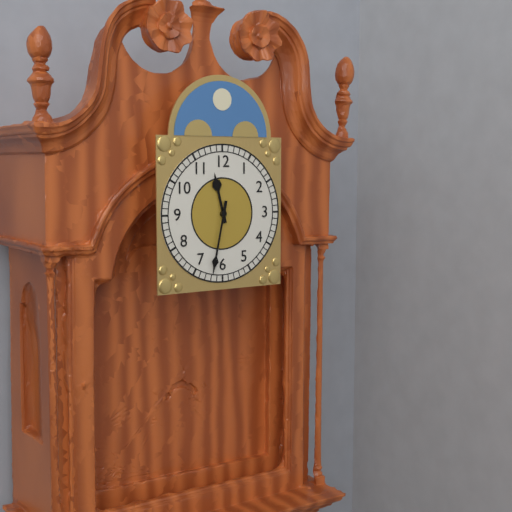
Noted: **11:32**
